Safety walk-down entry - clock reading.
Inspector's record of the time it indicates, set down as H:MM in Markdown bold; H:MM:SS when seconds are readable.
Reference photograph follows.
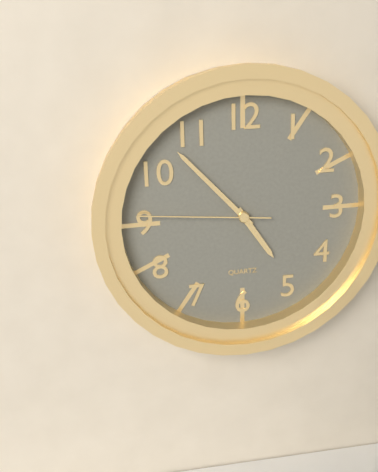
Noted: **4:53:46**
